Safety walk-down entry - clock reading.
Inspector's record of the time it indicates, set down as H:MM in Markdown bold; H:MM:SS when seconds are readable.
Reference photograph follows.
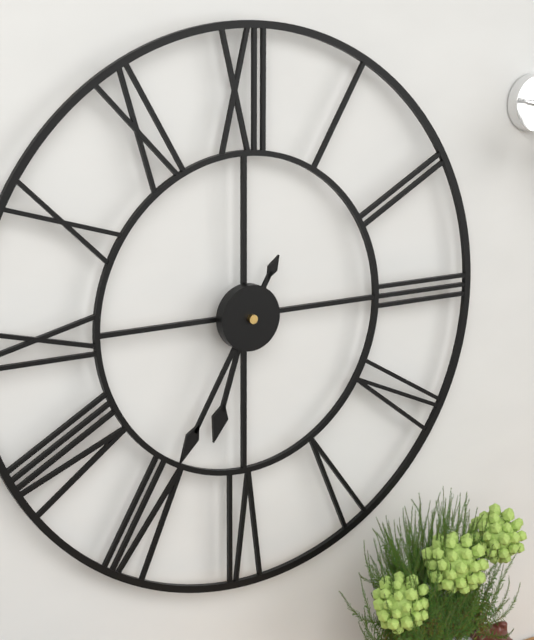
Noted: **6:35**
